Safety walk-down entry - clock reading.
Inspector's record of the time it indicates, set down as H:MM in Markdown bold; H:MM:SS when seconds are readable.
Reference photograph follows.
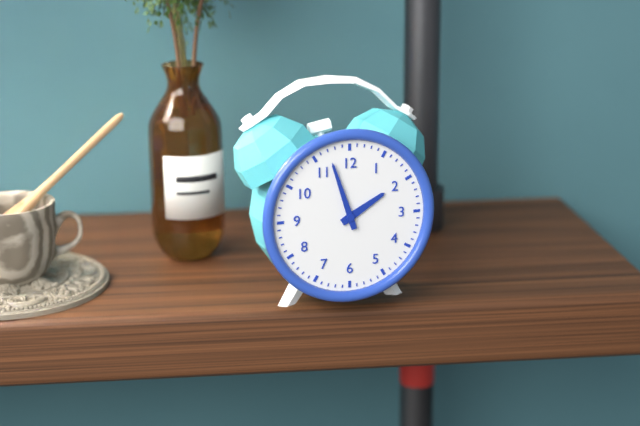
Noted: **1:57**
